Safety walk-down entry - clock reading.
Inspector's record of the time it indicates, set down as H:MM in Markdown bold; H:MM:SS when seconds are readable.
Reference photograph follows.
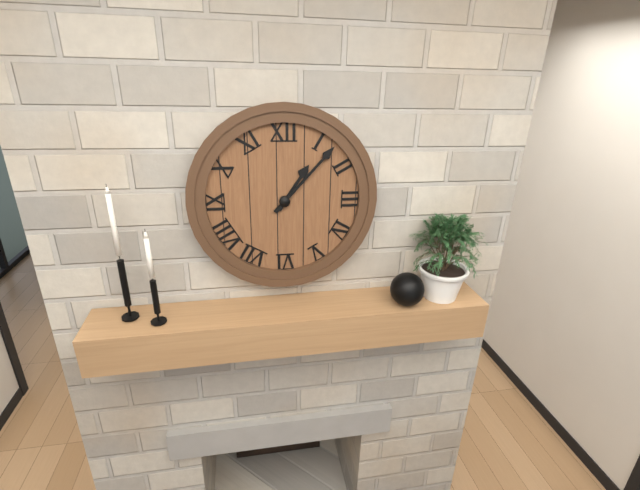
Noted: **1:07**
